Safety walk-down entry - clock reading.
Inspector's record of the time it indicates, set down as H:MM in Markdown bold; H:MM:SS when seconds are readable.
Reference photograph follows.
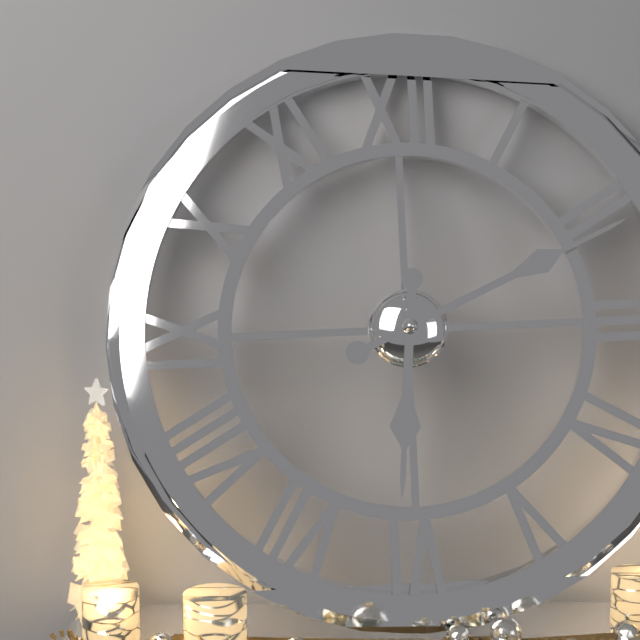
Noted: **6:11**
